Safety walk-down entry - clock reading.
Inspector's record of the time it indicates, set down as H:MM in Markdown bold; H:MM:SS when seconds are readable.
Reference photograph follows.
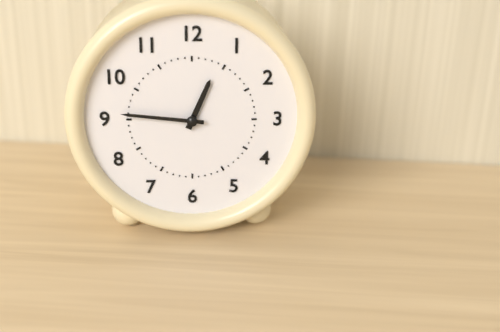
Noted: **12:46**
